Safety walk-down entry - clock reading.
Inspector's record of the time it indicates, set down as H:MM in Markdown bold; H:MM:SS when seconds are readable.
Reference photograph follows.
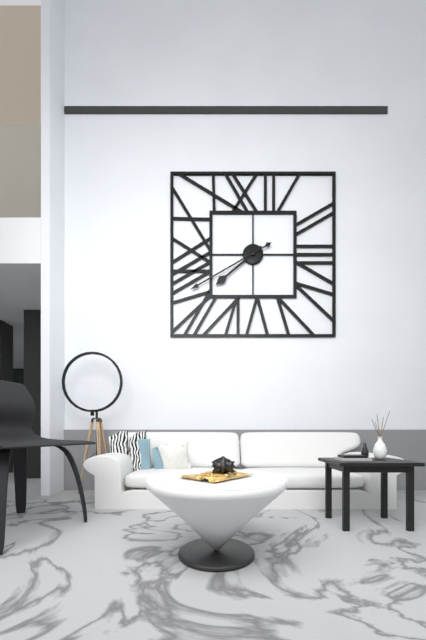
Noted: **7:40**
